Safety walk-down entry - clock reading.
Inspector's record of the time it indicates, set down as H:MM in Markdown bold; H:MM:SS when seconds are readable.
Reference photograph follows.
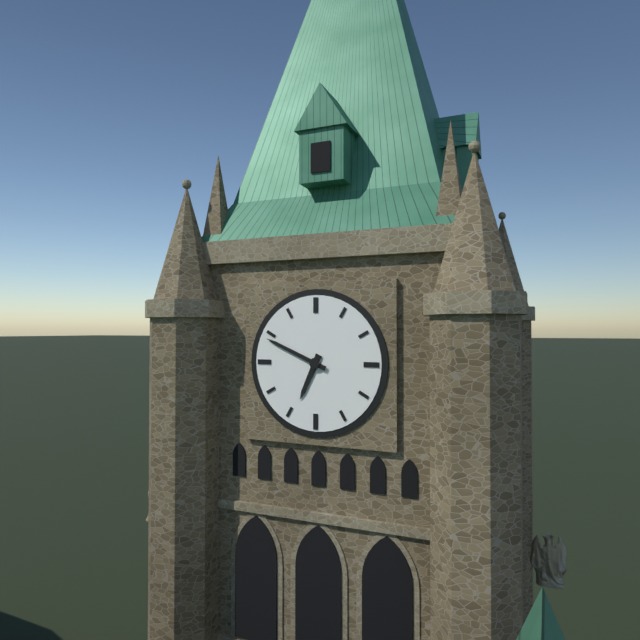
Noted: **6:49**
